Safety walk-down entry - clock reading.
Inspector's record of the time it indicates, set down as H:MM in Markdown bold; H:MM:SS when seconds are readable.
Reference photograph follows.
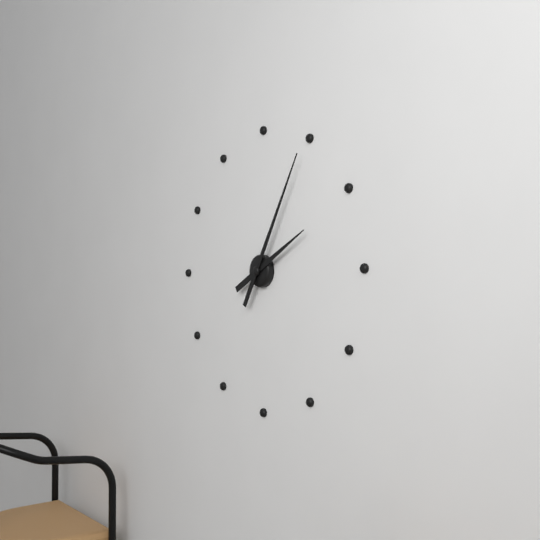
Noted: **2:05**
